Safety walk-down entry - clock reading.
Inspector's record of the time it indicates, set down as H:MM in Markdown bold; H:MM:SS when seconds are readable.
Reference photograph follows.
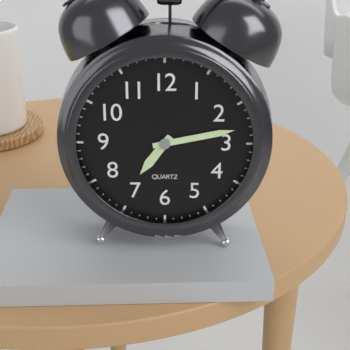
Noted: **7:13**
